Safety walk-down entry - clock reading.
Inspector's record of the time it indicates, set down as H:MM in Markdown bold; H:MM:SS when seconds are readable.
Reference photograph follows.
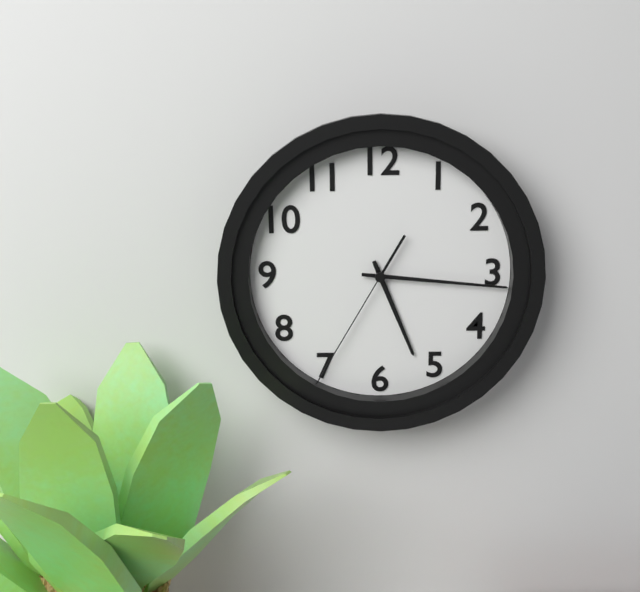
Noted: **5:16:35**
